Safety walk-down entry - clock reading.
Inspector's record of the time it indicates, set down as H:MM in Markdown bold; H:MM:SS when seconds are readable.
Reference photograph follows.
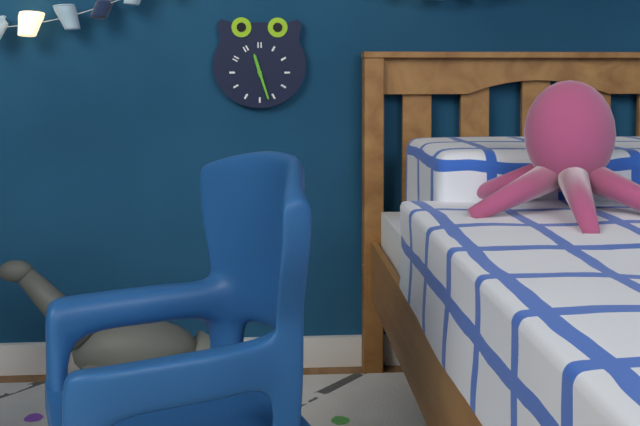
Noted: **11:27**
